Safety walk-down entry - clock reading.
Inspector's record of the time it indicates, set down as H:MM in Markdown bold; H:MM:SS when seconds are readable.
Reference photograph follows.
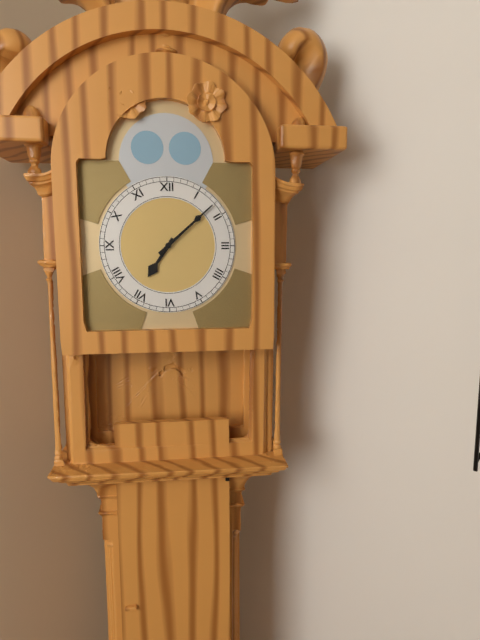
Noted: **7:08**
